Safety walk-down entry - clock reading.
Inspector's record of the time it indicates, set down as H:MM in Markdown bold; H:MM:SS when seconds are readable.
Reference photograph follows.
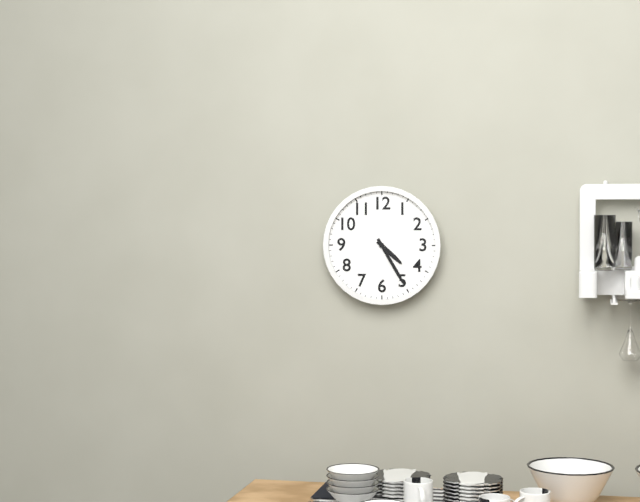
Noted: **4:25**
